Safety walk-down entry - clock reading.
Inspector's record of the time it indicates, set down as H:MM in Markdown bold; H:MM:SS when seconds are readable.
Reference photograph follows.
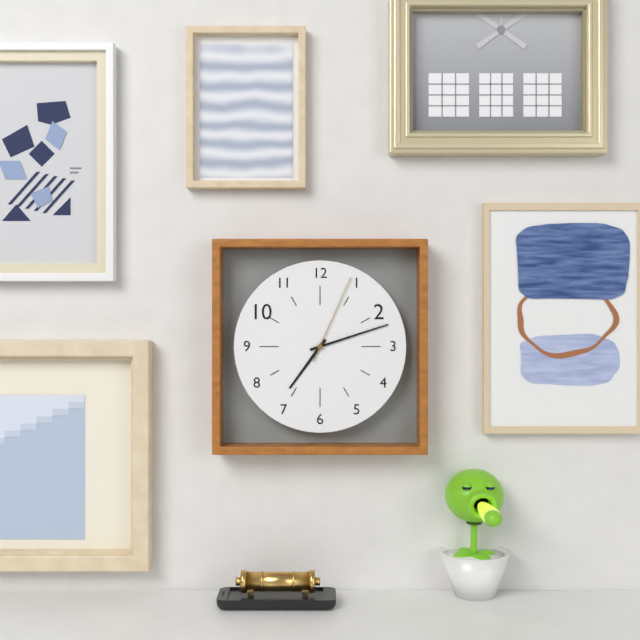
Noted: **7:12:04**
